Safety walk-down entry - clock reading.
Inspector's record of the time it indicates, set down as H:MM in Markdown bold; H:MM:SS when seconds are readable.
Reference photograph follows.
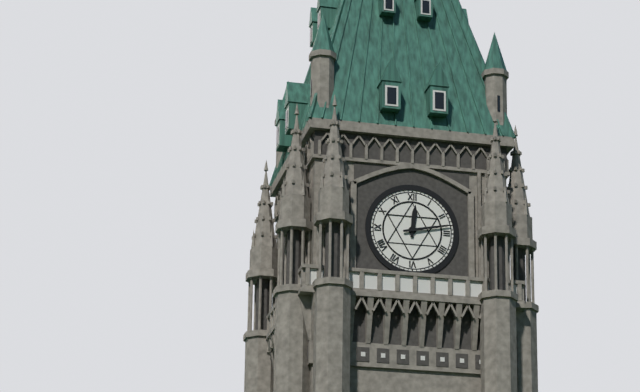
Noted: **12:13**
